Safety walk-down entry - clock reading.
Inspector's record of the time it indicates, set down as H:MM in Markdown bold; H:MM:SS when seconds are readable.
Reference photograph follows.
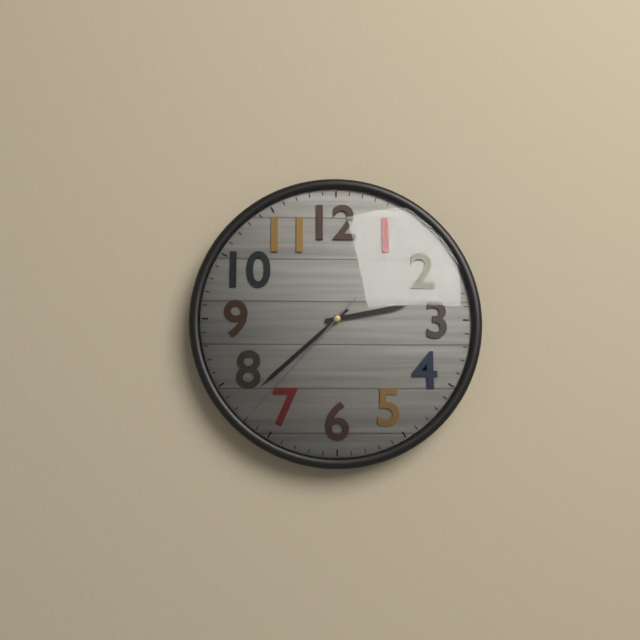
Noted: **2:38:37**
